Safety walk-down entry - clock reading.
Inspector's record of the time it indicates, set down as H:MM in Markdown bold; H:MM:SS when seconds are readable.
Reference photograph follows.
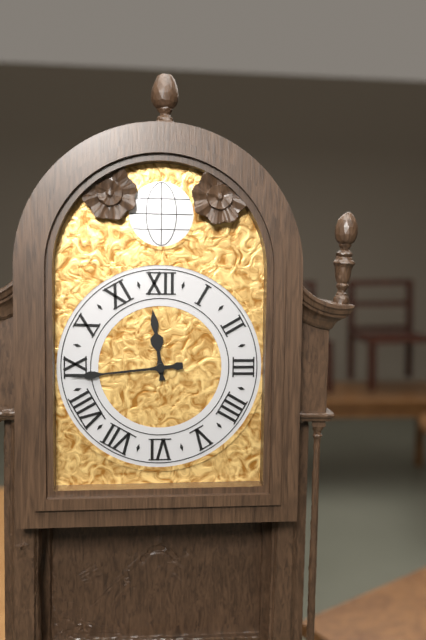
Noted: **11:44**
